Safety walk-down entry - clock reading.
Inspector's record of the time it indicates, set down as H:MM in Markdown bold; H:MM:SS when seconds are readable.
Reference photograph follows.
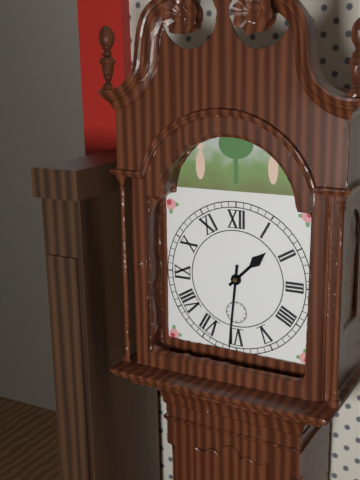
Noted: **1:31**
